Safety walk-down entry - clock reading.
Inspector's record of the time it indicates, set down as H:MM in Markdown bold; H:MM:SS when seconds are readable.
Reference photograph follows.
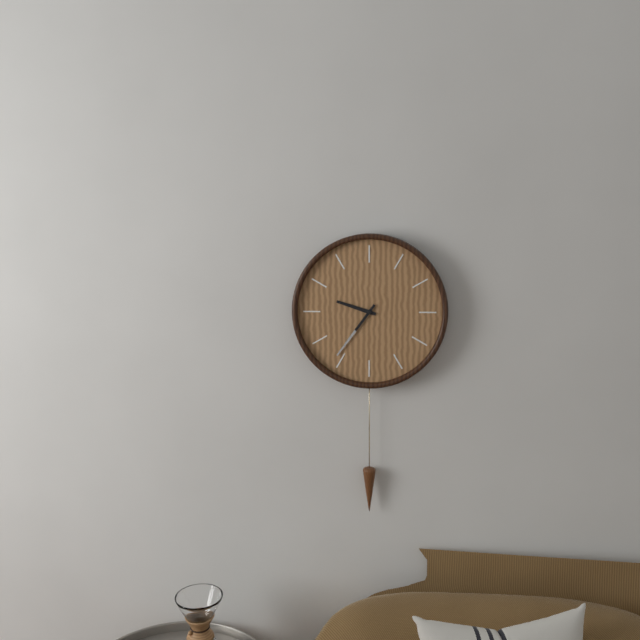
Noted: **9:36**
